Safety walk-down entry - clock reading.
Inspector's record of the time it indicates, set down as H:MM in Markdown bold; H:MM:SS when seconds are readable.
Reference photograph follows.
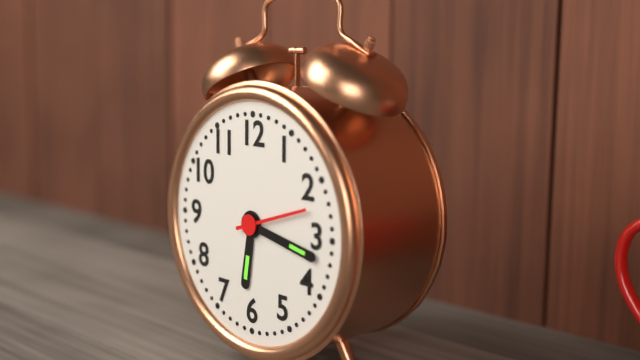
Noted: **6:17:12**
